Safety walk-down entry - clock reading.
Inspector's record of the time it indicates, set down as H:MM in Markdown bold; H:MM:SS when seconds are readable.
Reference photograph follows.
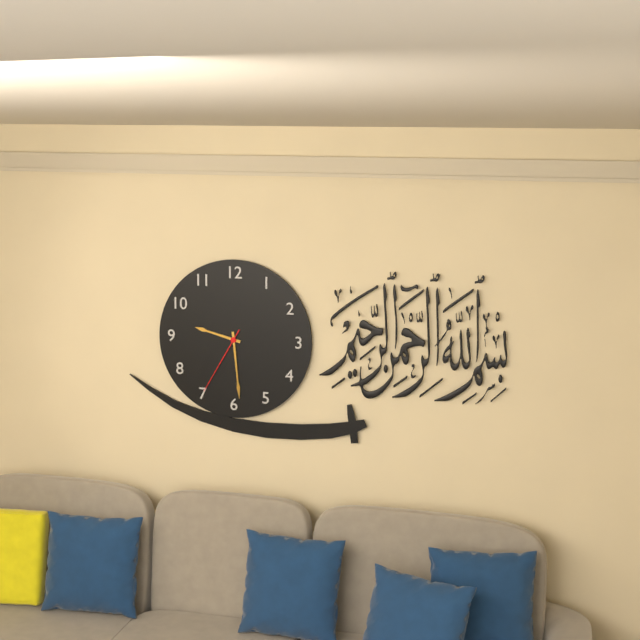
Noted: **9:29:35**
